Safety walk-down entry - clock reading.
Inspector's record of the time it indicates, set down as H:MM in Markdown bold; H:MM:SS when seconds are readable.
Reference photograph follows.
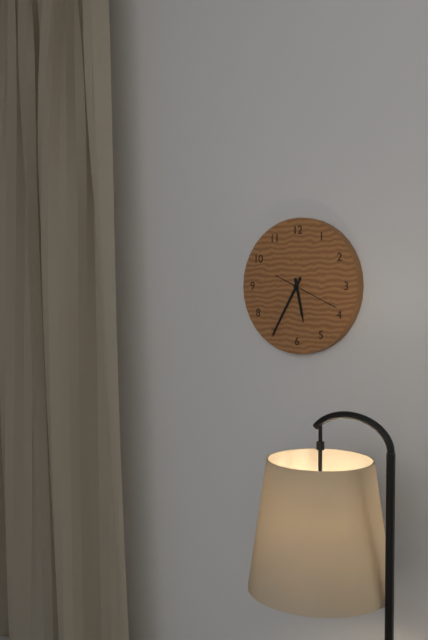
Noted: **5:35:19**
